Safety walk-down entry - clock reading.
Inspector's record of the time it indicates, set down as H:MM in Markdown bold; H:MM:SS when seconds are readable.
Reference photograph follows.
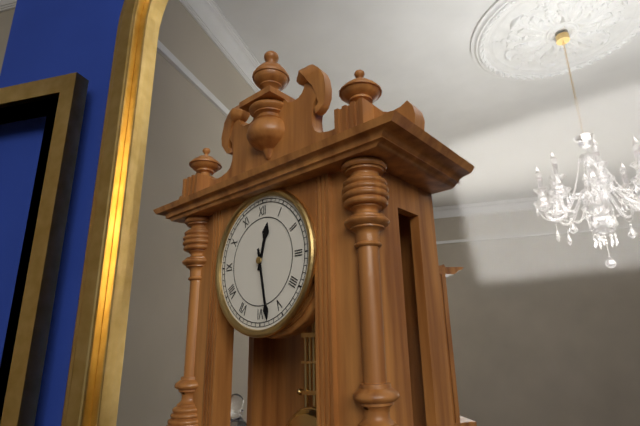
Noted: **12:28**
